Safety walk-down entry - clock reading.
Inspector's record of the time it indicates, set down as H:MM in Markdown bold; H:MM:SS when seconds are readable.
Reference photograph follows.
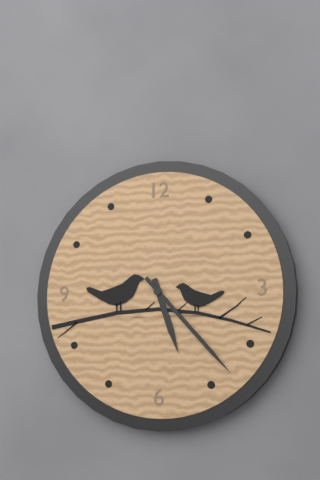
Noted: **5:23**
